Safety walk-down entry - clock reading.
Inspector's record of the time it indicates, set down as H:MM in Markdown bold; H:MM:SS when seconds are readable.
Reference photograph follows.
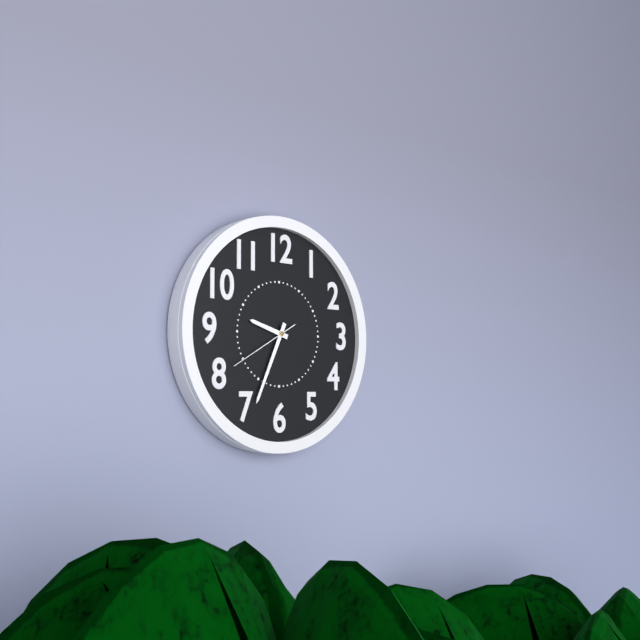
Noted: **9:34:40**
